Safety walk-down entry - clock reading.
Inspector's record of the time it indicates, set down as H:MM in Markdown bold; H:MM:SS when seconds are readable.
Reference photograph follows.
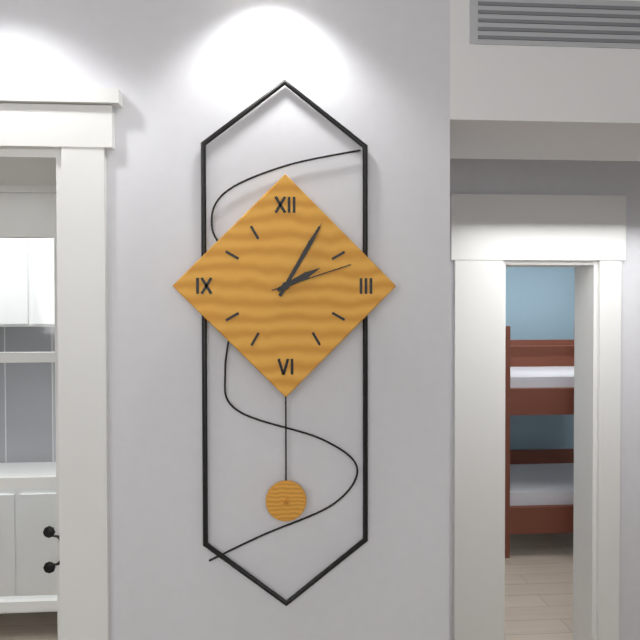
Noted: **2:05:12**
